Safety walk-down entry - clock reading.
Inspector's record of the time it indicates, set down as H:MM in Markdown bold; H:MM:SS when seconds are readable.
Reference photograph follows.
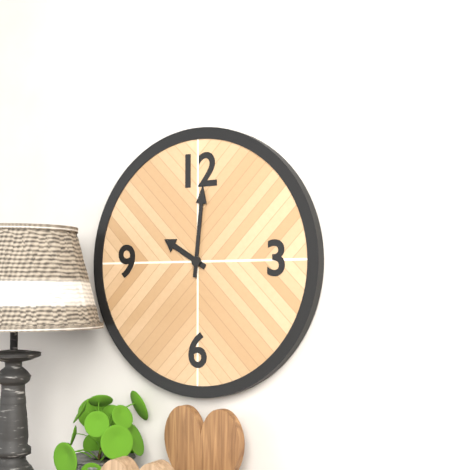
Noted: **10:01**
